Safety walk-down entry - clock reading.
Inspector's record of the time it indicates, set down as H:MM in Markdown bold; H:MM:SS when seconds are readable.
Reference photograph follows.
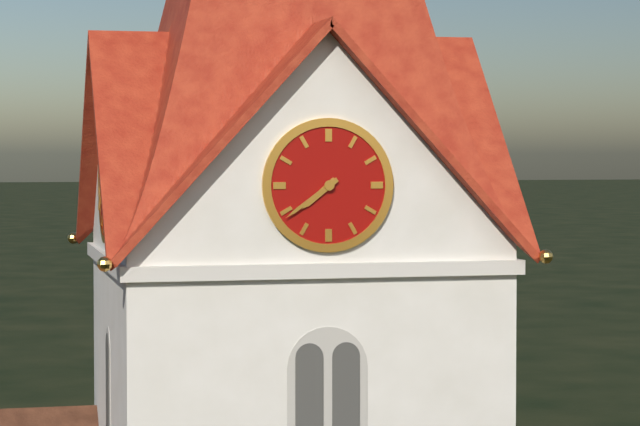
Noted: **7:39**
